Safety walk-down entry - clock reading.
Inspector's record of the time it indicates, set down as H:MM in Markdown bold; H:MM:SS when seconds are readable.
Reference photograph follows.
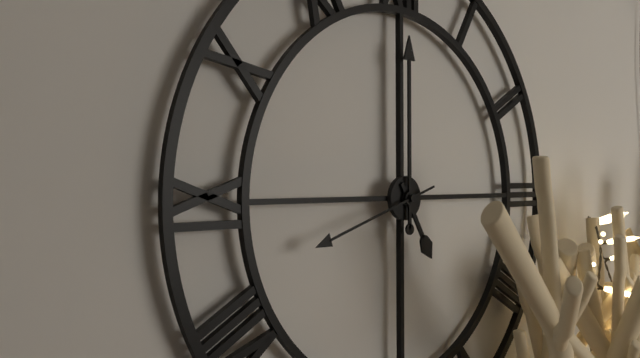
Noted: **5:00:42**
